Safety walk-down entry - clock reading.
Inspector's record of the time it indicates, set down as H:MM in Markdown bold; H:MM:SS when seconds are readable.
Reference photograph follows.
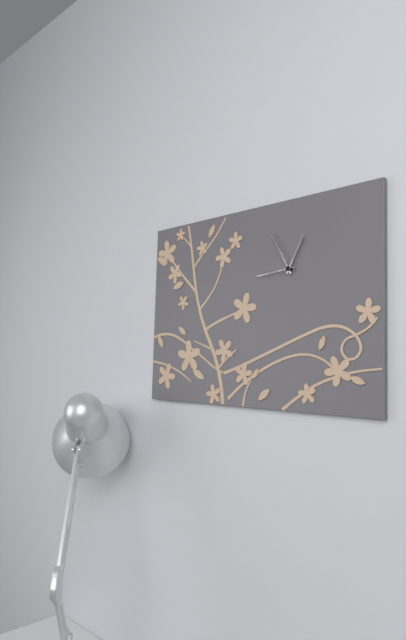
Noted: **12:55**
